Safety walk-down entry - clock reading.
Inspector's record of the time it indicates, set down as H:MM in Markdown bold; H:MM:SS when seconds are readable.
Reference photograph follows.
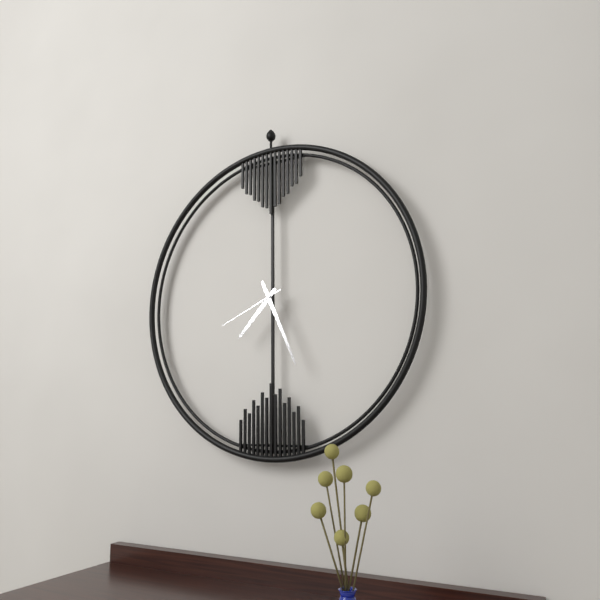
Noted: **7:26:41**
